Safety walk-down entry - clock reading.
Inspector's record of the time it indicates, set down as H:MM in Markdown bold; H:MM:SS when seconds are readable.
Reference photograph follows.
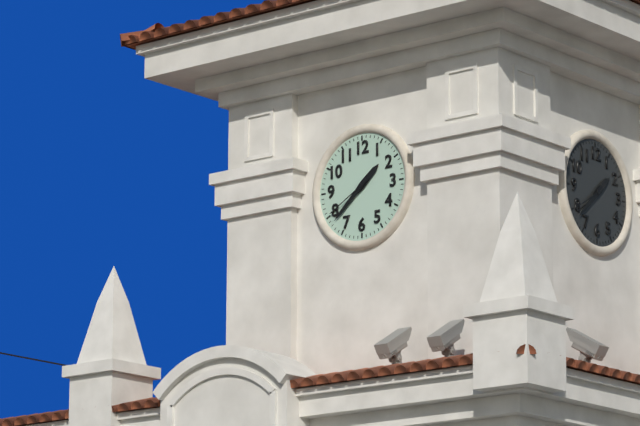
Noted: **1:38:40**
